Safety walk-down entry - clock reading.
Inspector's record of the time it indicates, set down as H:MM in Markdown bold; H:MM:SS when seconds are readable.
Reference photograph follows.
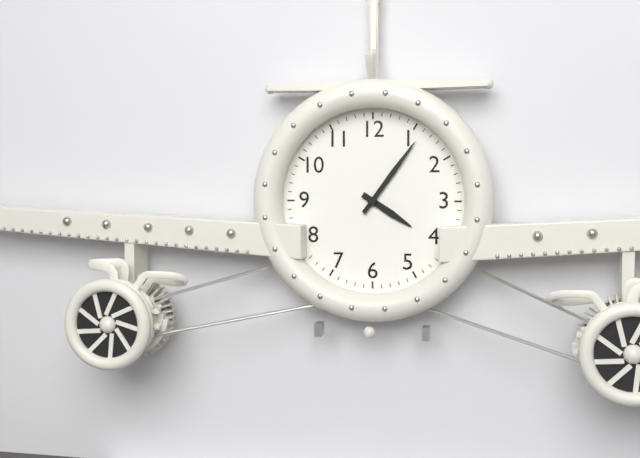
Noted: **4:06**
